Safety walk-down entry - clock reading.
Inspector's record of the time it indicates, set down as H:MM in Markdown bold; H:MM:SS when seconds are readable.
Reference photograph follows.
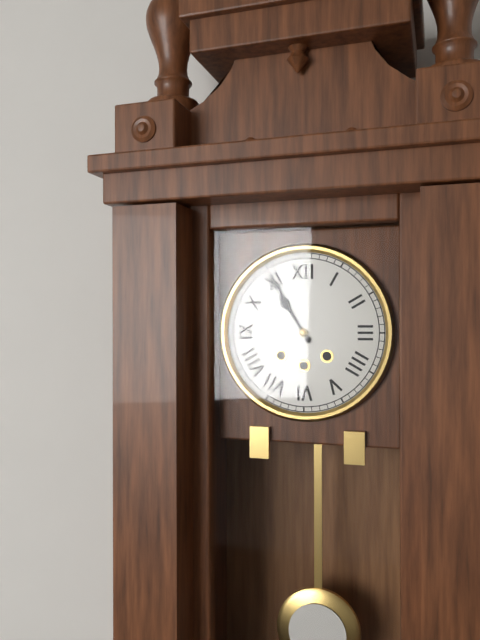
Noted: **10:55**
